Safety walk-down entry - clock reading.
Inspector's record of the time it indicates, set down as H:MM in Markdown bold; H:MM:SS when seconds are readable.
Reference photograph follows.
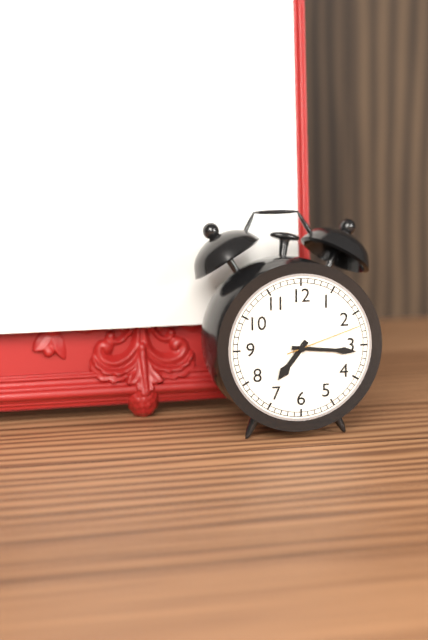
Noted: **7:16:12**
